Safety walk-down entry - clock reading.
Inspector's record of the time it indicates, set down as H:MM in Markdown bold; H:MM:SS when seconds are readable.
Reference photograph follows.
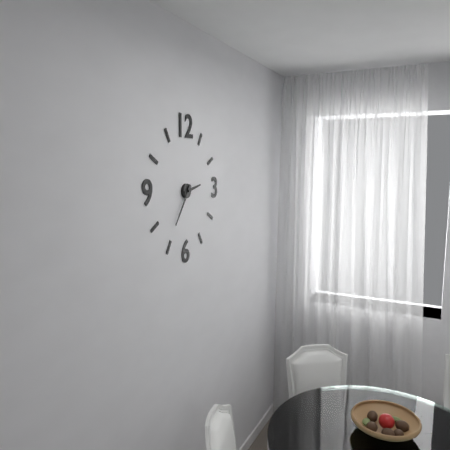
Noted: **2:36**
